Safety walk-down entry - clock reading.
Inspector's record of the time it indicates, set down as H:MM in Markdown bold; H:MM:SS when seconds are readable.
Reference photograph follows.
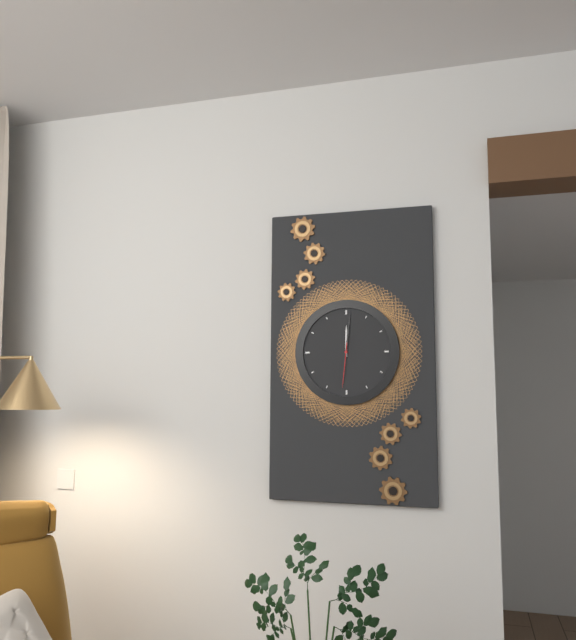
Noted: **12:01**
